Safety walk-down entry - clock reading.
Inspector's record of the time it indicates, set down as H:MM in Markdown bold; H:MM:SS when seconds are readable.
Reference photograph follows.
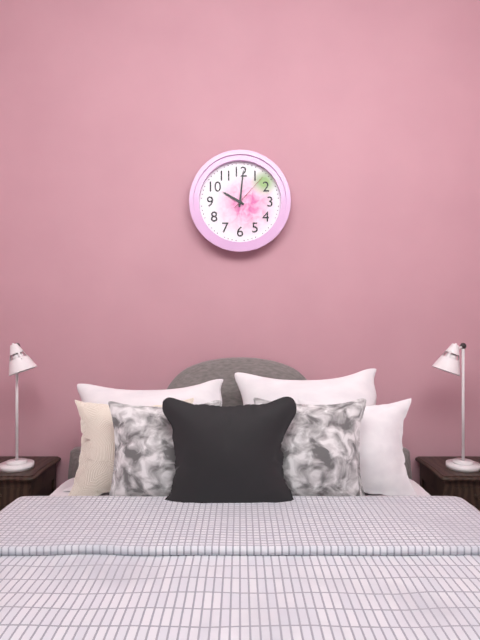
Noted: **10:01**
